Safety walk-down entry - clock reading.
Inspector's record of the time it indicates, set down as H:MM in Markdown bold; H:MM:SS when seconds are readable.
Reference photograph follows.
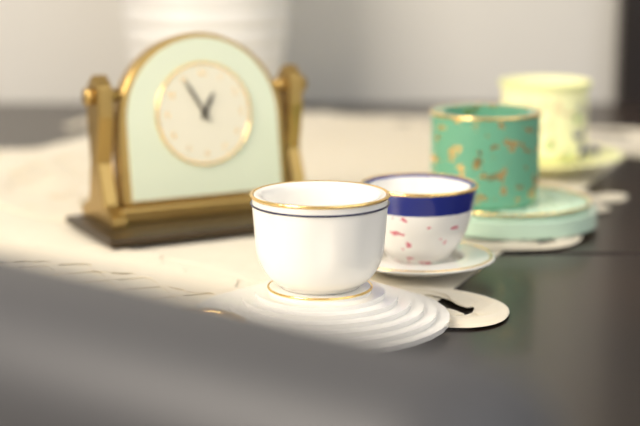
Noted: **12:55**
